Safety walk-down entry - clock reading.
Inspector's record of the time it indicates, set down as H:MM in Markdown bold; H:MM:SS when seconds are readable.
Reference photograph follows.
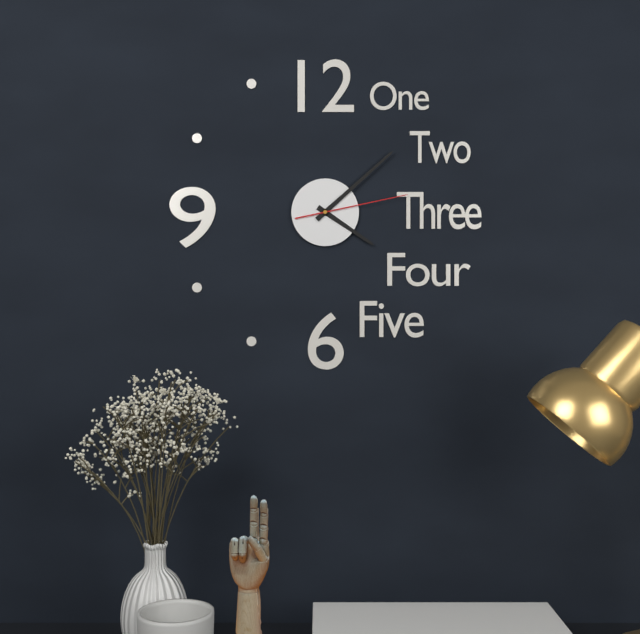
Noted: **4:08:13**
